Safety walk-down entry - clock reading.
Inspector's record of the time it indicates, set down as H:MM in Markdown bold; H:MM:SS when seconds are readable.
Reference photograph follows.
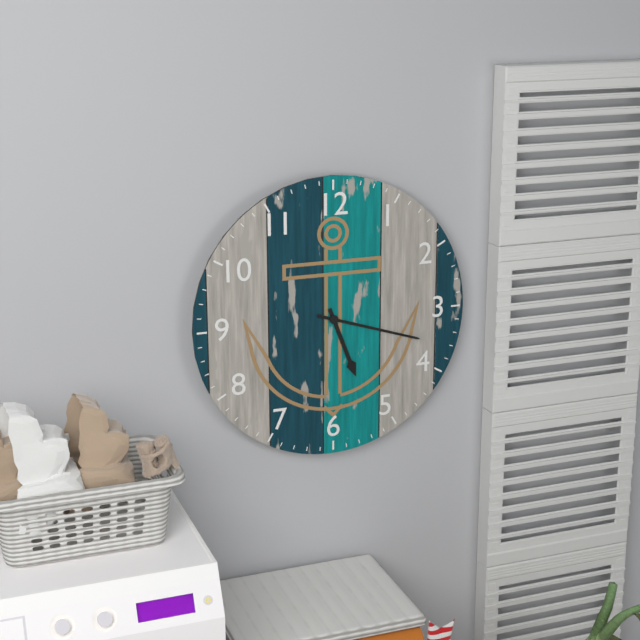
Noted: **5:18**
